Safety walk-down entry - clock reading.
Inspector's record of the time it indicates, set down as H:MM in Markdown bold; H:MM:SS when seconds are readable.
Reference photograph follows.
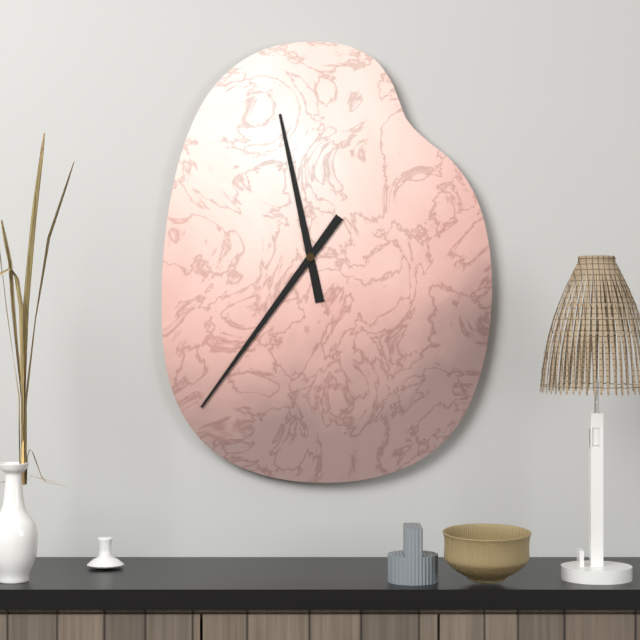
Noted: **11:36**
